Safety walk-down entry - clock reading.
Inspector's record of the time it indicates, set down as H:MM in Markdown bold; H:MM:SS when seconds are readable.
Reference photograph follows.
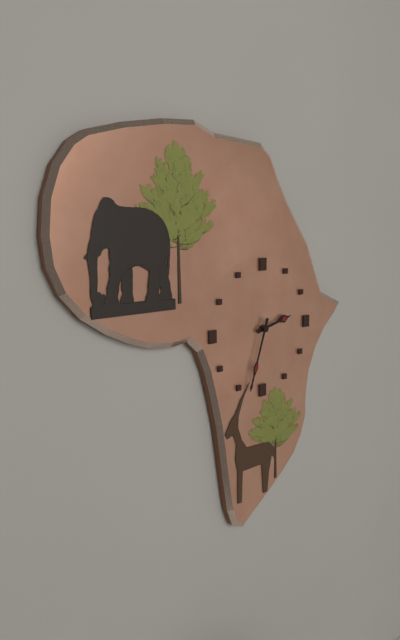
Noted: **2:33**
